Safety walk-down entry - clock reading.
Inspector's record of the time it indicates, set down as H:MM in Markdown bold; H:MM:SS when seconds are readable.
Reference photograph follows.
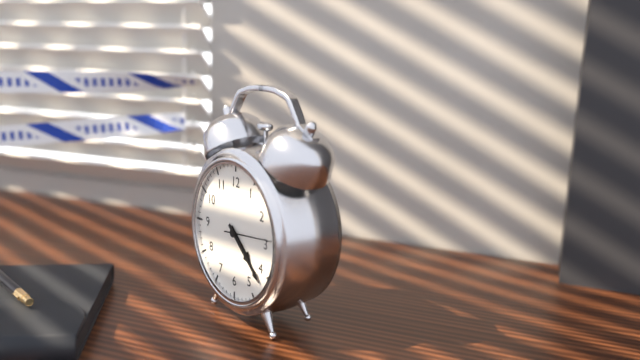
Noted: **4:22:14**
